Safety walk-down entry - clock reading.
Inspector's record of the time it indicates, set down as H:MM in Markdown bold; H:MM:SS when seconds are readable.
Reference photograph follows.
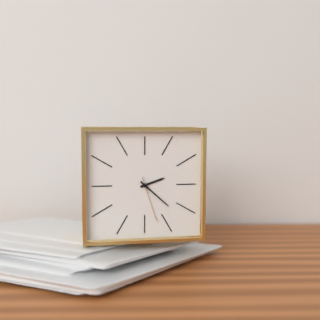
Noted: **2:22**
